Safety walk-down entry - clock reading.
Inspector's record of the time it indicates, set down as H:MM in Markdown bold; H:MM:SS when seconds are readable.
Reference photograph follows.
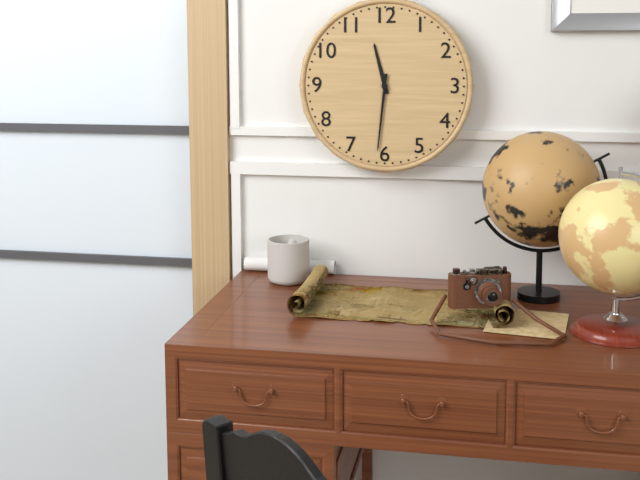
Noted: **11:31**
